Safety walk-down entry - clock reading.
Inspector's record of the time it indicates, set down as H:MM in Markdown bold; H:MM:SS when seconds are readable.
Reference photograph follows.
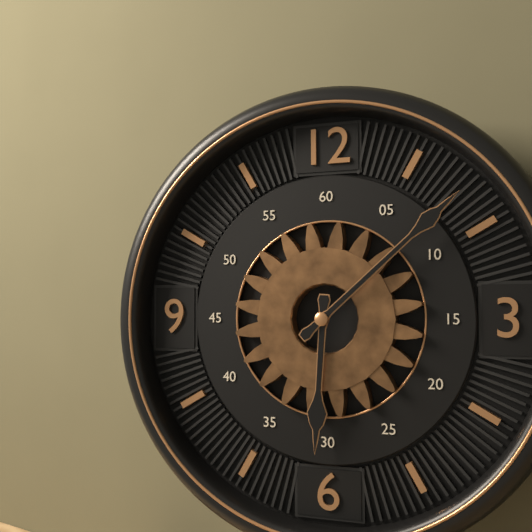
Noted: **6:08**
